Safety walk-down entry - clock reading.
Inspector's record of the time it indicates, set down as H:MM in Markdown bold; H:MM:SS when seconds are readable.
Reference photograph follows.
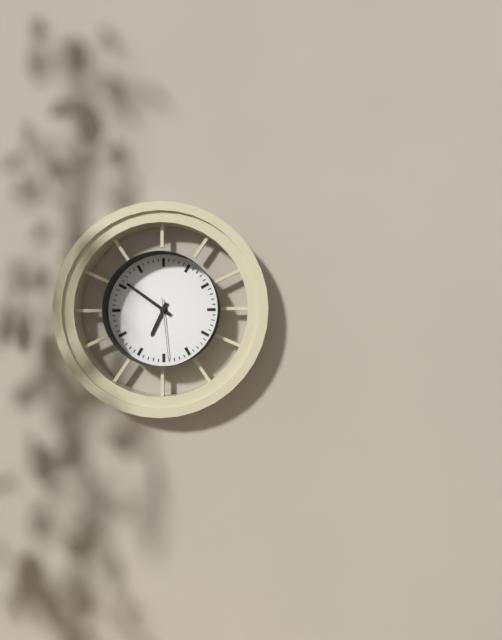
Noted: **6:51:29**
